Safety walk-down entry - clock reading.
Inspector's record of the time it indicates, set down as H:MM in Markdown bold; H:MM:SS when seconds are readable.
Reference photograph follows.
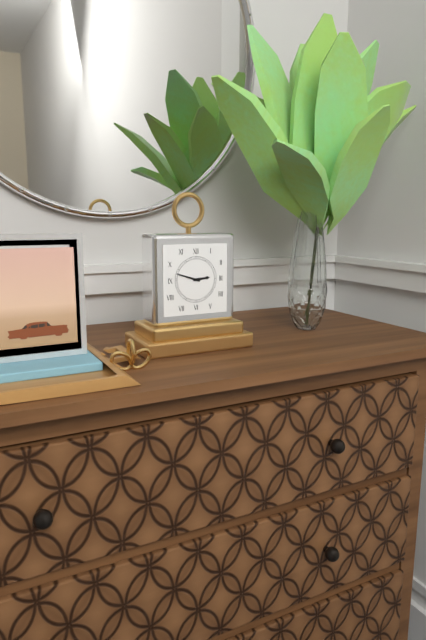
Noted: **2:48**
